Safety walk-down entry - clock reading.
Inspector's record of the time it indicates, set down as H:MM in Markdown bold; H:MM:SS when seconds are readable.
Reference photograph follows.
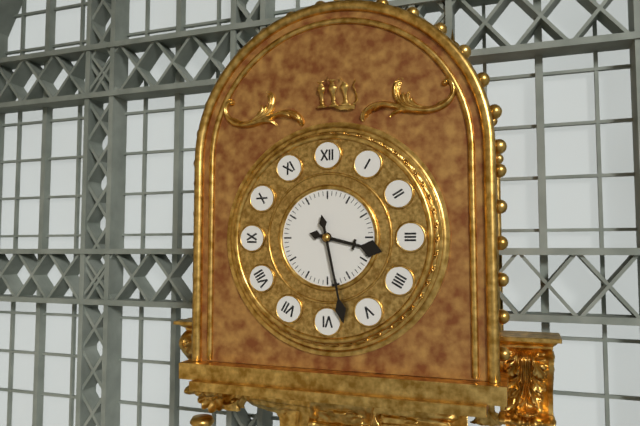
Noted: **3:28**
